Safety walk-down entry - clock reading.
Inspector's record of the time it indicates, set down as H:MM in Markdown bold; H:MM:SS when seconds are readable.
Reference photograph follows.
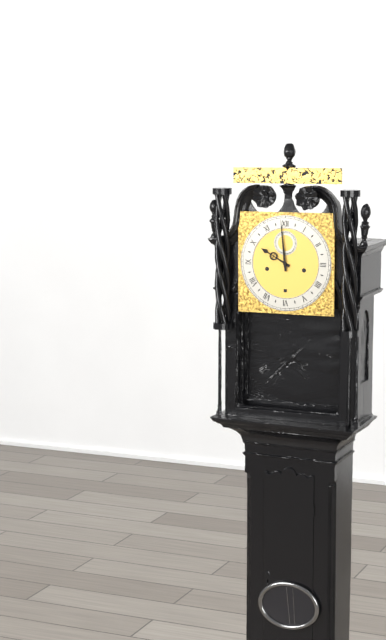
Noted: **9:59**
